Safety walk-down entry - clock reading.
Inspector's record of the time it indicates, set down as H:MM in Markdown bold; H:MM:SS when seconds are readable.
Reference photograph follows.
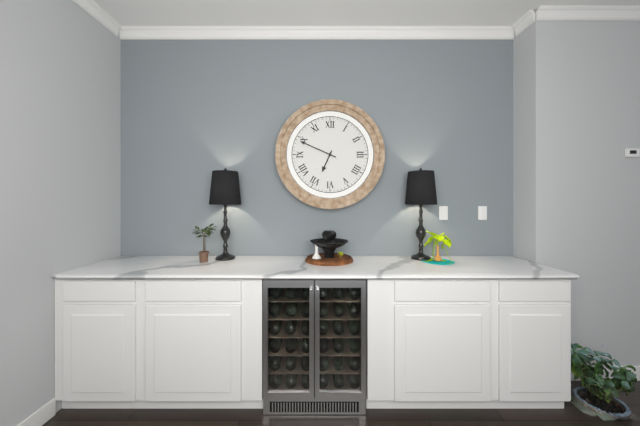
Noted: **6:49**
